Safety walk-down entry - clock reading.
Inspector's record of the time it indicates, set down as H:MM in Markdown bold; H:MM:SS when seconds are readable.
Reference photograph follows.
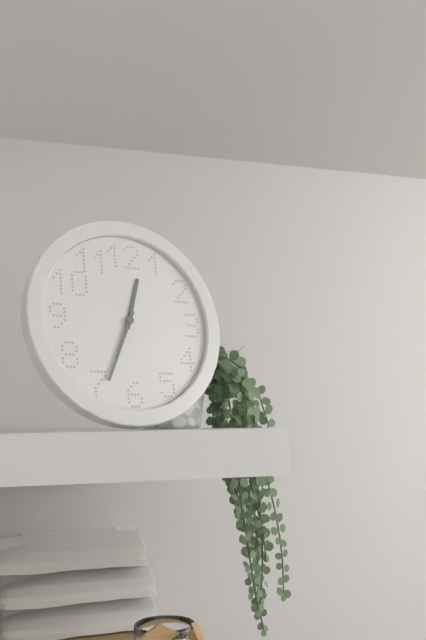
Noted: **12:34**
